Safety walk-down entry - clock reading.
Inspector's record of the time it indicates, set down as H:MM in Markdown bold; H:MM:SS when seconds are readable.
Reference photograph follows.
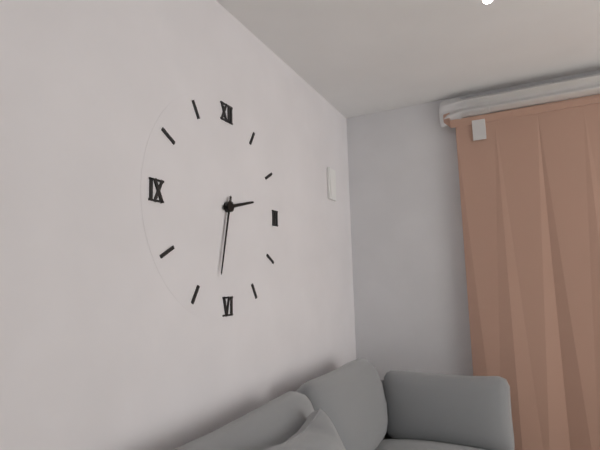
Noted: **2:32**
